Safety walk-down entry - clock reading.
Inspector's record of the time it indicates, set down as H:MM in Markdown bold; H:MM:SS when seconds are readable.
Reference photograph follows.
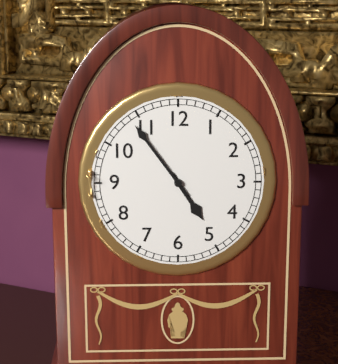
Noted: **4:54**
